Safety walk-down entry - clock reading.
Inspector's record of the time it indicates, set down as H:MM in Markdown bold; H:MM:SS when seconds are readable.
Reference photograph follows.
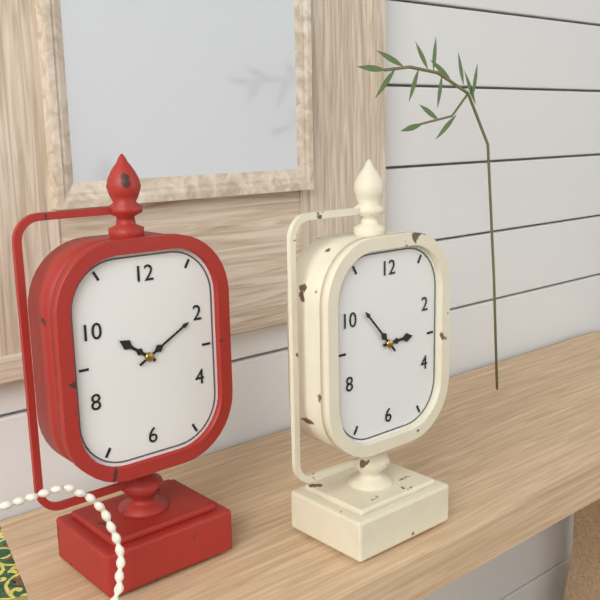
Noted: **2:53**
